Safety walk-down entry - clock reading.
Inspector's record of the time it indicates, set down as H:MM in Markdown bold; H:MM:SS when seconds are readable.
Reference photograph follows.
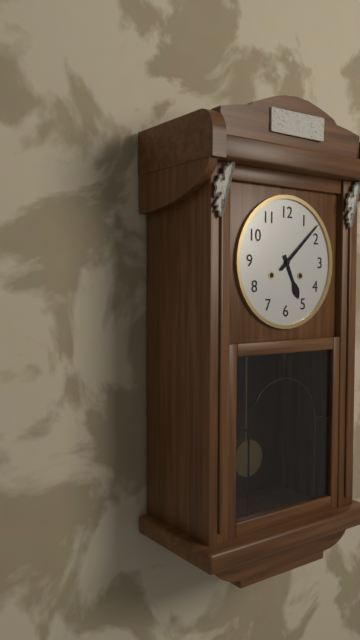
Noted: **5:08**
